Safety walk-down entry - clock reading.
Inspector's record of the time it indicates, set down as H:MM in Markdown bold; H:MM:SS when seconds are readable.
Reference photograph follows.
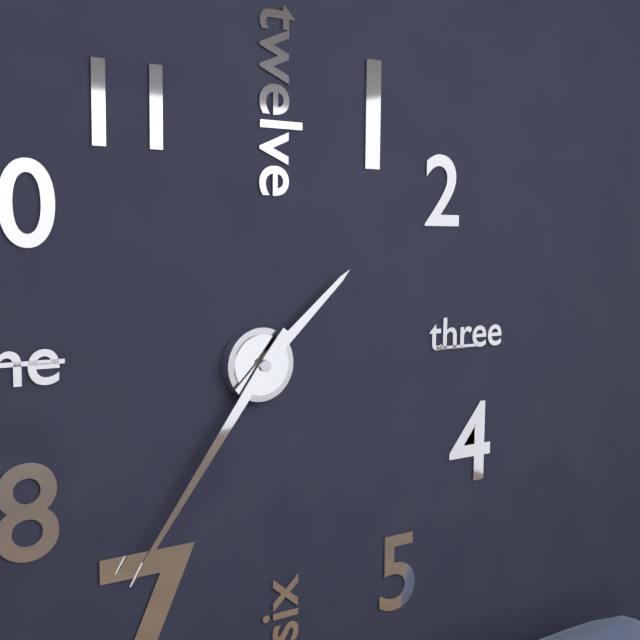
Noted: **1:36**
